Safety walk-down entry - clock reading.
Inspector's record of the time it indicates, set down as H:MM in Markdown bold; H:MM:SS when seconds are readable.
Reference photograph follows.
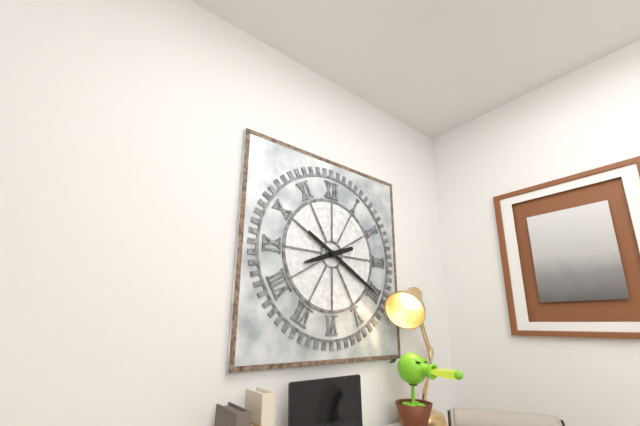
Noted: **8:20**
